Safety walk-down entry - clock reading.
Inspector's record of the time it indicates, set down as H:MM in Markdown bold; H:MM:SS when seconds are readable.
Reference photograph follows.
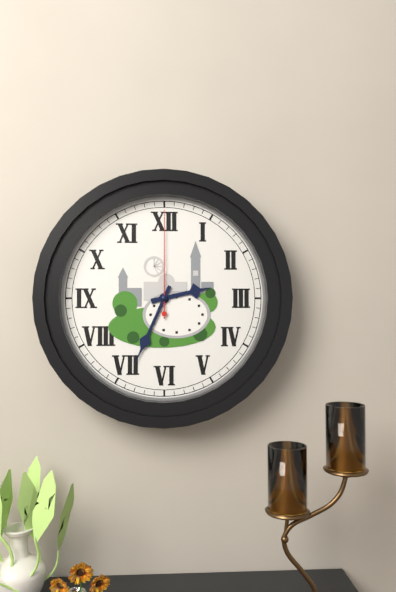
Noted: **2:34:00**
